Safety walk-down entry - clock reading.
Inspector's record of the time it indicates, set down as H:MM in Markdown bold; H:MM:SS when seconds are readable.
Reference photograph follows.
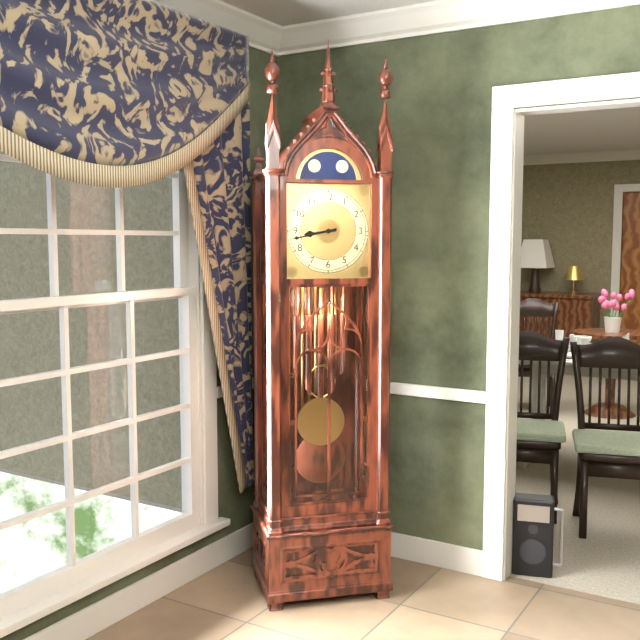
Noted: **8:43**
